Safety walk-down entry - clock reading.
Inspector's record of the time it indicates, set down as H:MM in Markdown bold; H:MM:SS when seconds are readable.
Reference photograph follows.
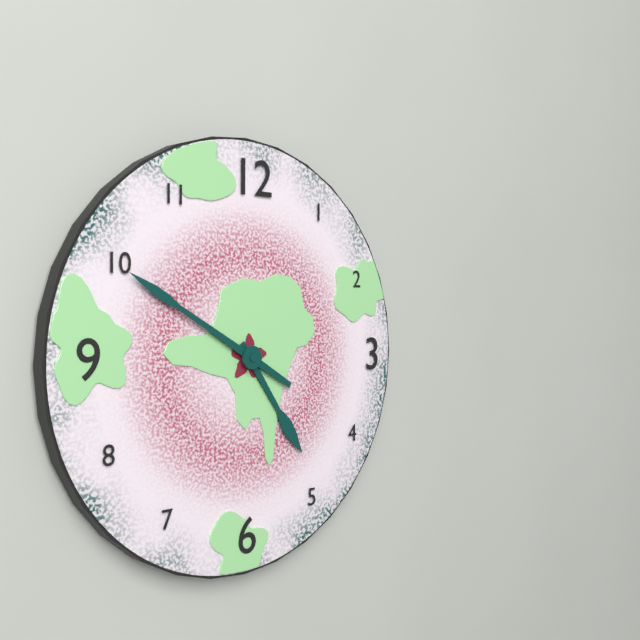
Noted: **4:50**
